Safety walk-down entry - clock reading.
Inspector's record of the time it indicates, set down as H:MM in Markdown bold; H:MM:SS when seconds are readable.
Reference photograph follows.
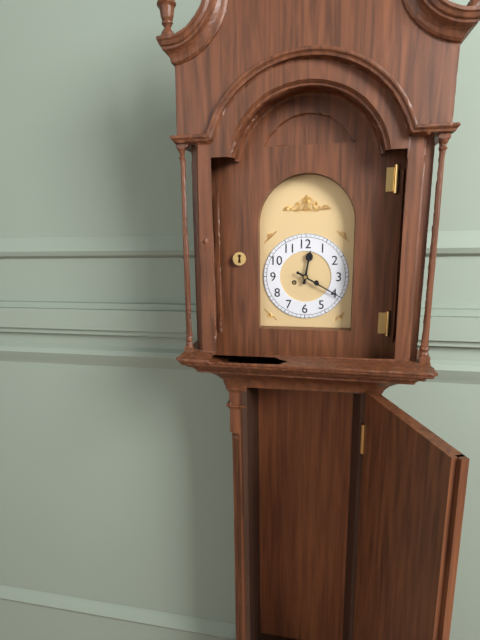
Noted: **12:20**
